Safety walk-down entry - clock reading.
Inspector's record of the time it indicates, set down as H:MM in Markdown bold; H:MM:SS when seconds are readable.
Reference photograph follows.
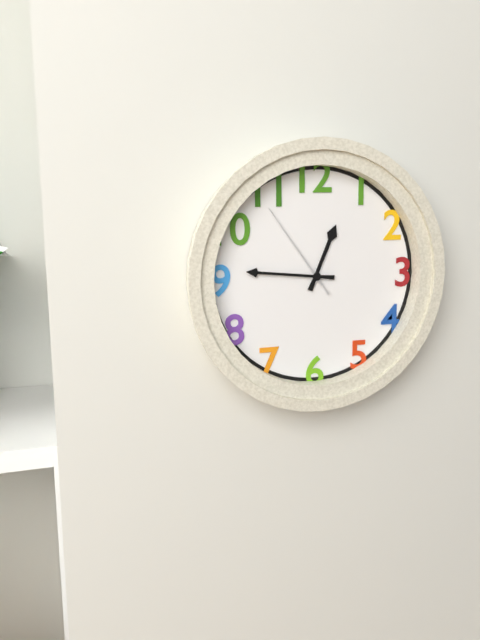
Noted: **12:46:54**
